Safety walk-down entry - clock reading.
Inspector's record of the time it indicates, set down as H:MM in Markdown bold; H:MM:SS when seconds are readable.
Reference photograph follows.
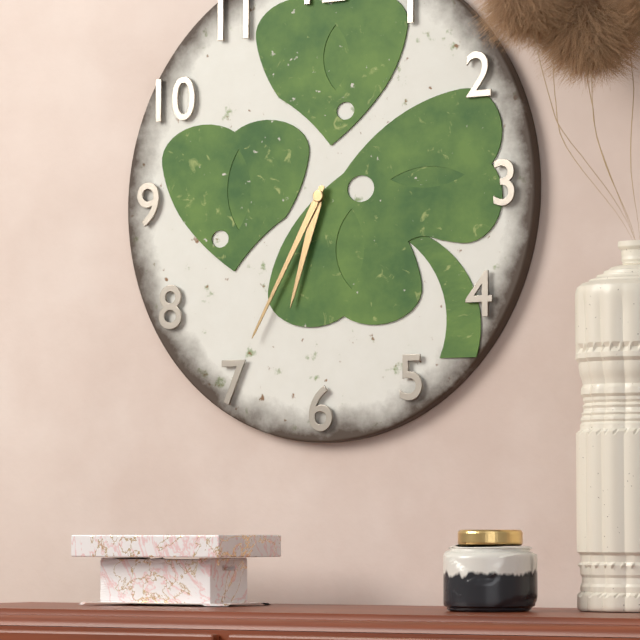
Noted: **6:35**
